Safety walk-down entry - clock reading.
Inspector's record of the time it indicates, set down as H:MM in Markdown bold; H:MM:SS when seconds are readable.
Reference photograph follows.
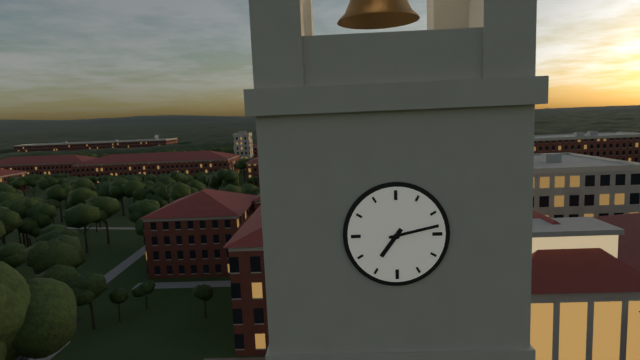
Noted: **7:13**
